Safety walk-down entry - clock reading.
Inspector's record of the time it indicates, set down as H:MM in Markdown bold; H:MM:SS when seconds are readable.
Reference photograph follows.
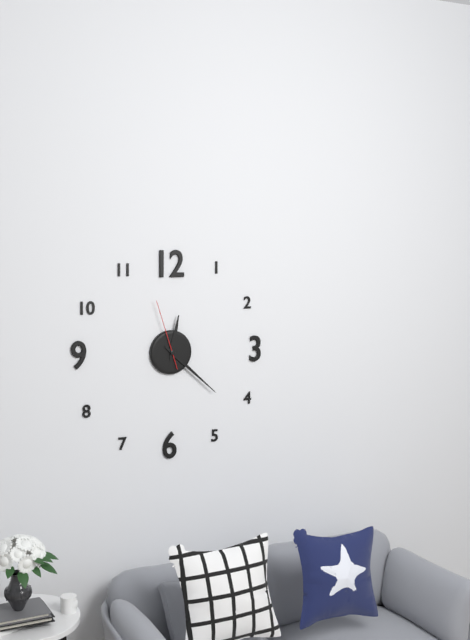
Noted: **12:22:57**
